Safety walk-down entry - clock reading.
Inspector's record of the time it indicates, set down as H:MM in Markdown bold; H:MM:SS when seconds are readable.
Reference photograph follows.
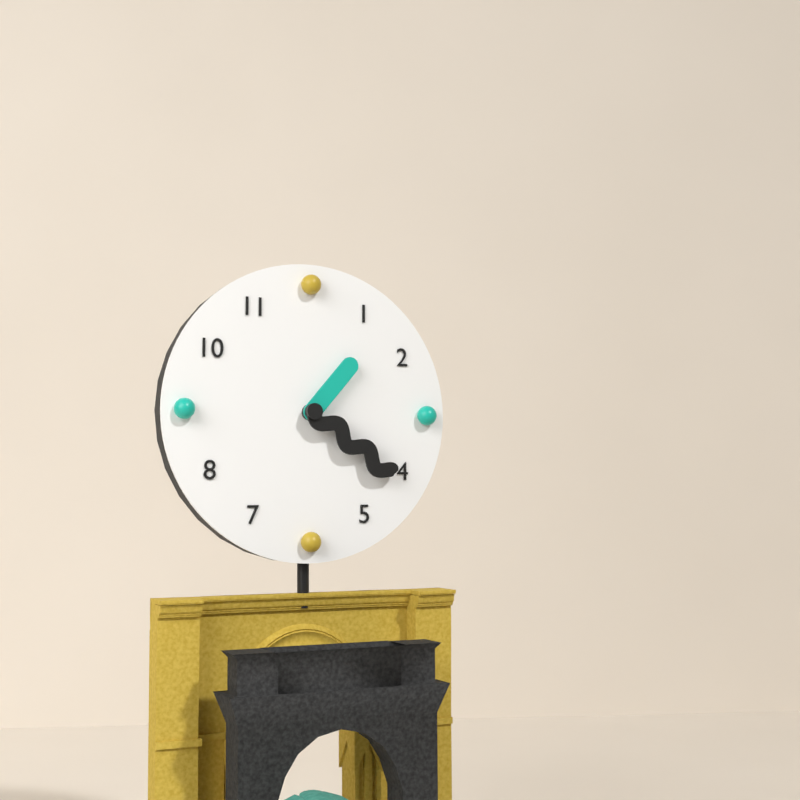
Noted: **1:21**
